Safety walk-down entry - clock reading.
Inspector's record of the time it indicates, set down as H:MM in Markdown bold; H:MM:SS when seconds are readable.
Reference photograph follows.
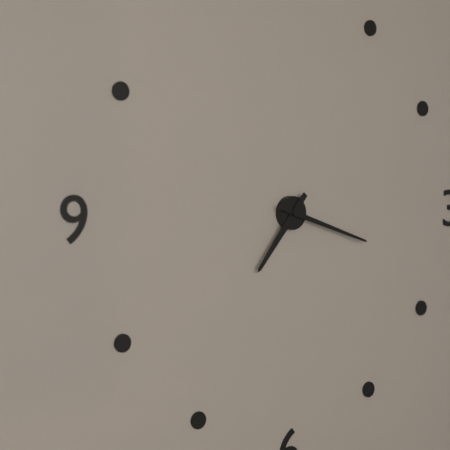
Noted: **7:18**
